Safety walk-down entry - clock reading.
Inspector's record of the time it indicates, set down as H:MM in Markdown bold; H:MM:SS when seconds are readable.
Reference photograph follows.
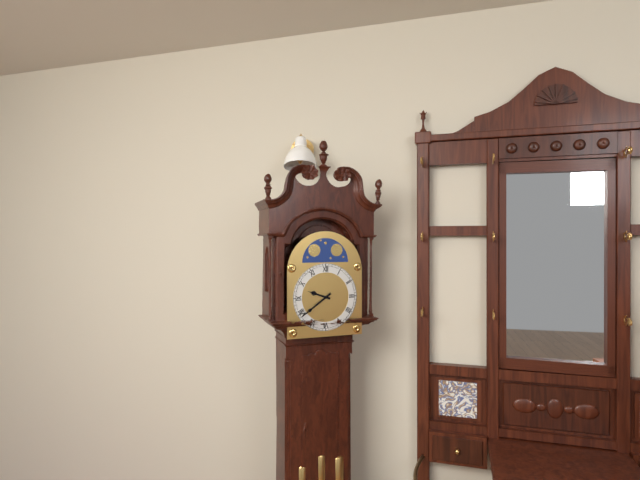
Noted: **9:39**
